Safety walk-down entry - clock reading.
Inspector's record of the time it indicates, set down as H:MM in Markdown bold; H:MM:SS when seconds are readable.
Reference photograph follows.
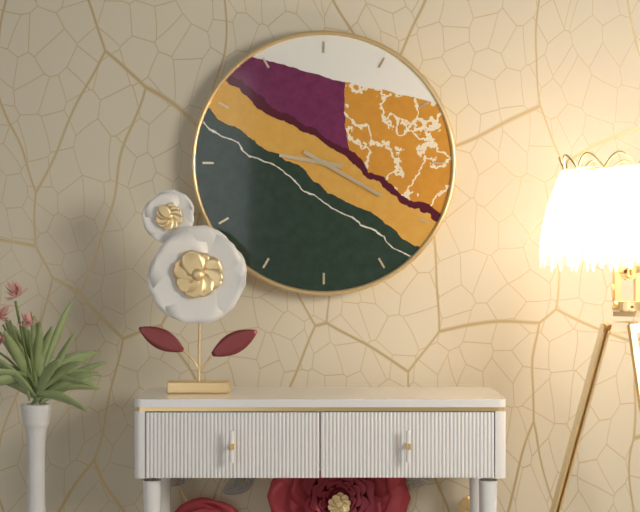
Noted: **9:20**
